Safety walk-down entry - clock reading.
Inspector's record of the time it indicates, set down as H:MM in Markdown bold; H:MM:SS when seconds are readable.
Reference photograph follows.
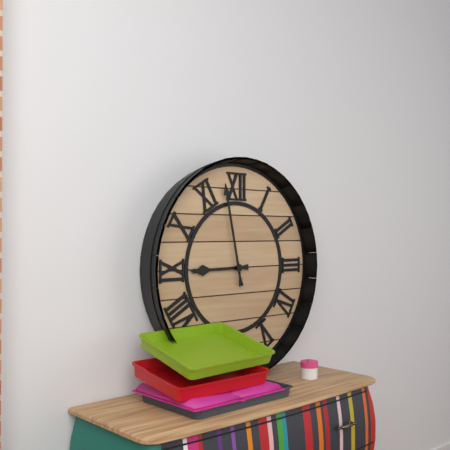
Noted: **8:58**
